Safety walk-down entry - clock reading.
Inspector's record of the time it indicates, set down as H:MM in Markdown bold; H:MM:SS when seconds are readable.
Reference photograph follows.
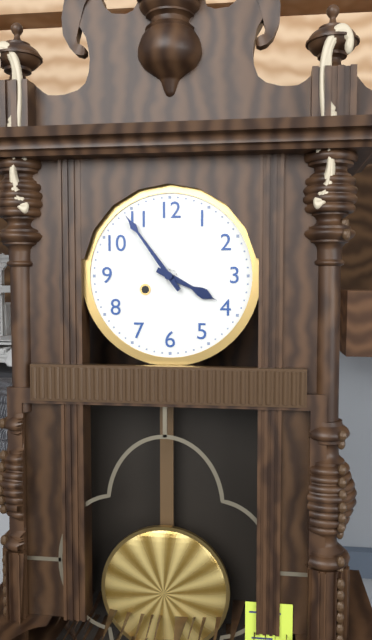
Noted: **3:54**
